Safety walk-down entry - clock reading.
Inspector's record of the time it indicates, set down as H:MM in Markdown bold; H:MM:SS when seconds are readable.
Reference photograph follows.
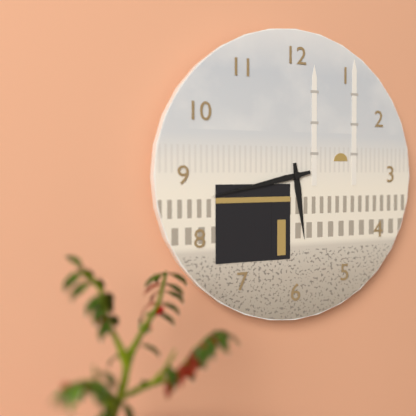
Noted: **5:43**
